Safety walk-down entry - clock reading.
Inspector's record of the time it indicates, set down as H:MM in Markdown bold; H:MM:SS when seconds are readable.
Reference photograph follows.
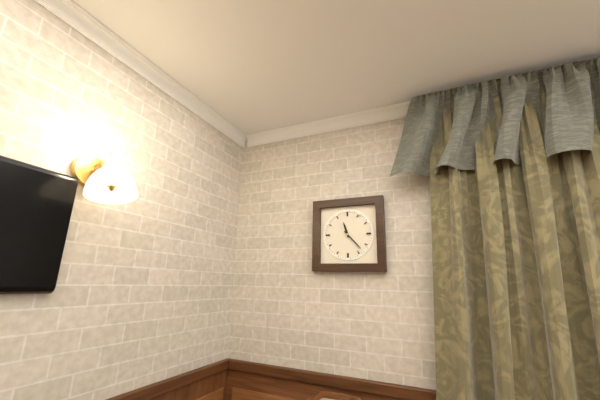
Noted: **11:23**
